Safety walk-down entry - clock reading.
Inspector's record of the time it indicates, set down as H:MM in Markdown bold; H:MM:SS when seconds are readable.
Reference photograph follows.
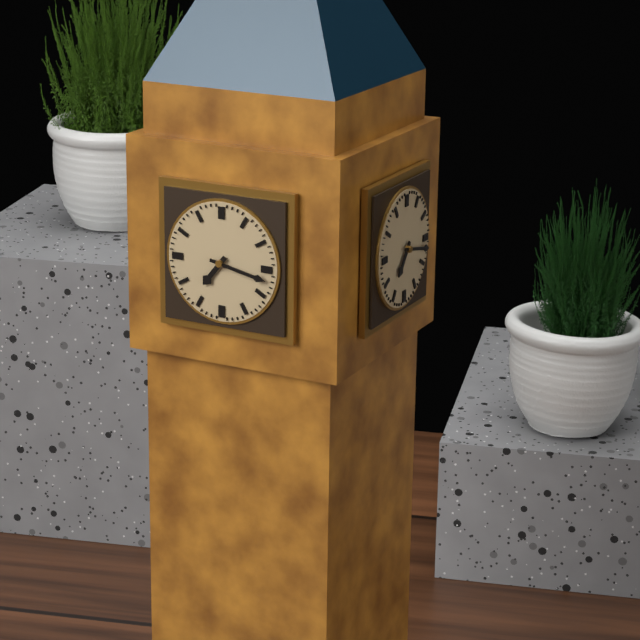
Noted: **7:17**
